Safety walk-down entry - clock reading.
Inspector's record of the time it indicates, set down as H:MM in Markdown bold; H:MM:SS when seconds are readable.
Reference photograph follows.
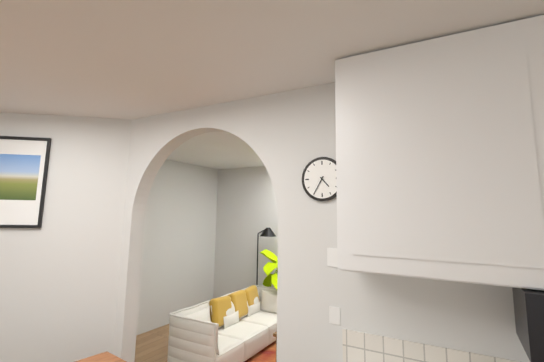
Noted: **4:35**
